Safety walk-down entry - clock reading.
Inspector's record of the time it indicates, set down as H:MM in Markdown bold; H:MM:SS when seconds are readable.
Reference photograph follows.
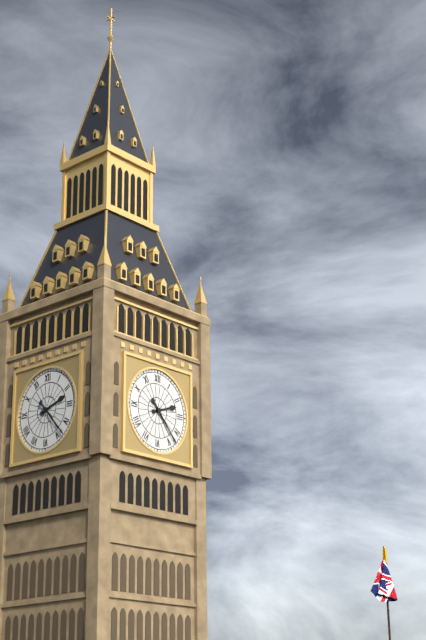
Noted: **2:23**
